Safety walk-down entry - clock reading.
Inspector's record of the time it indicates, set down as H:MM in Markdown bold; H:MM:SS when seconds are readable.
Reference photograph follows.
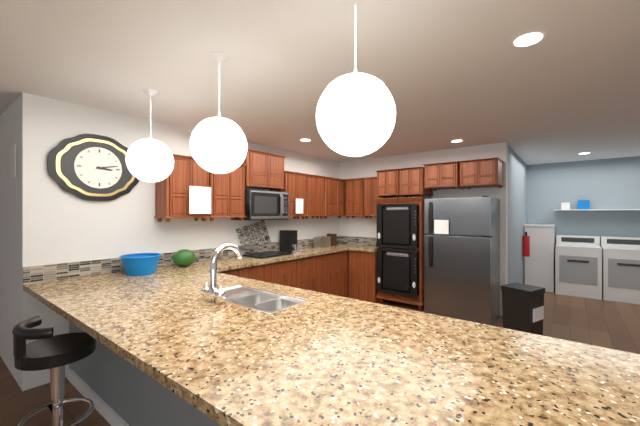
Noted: **3:13**
